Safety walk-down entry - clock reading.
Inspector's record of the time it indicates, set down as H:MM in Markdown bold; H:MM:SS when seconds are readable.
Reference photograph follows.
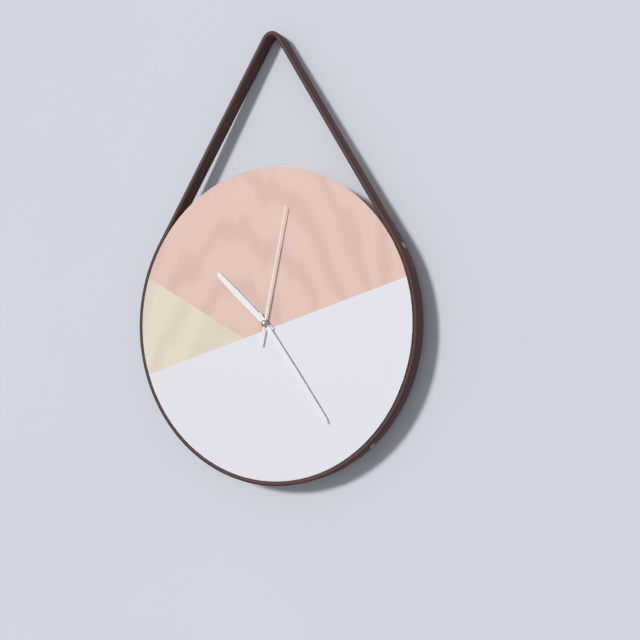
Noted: **10:24:02**
